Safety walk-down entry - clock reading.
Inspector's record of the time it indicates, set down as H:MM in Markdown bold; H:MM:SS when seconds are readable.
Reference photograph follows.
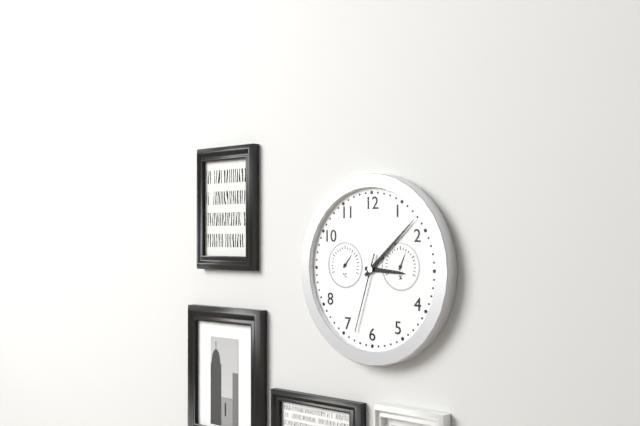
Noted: **3:08:33**
